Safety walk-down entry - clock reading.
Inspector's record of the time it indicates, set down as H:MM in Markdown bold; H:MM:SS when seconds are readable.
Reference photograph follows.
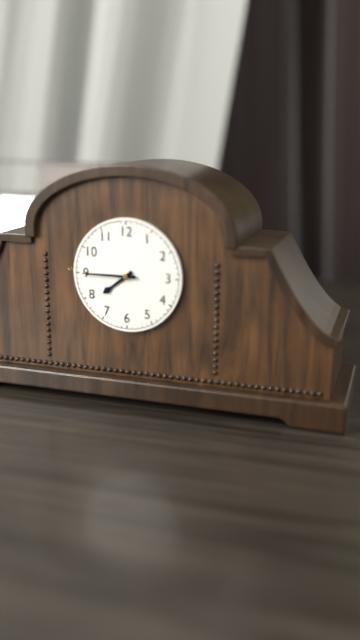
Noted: **7:45**
